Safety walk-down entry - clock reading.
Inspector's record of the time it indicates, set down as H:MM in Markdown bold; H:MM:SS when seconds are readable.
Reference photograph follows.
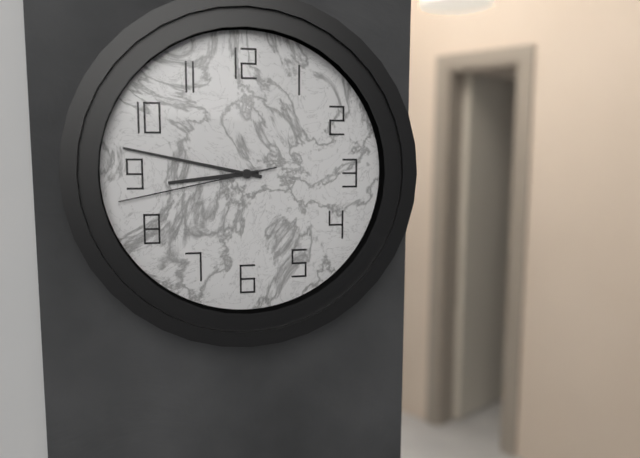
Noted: **8:47:43**
